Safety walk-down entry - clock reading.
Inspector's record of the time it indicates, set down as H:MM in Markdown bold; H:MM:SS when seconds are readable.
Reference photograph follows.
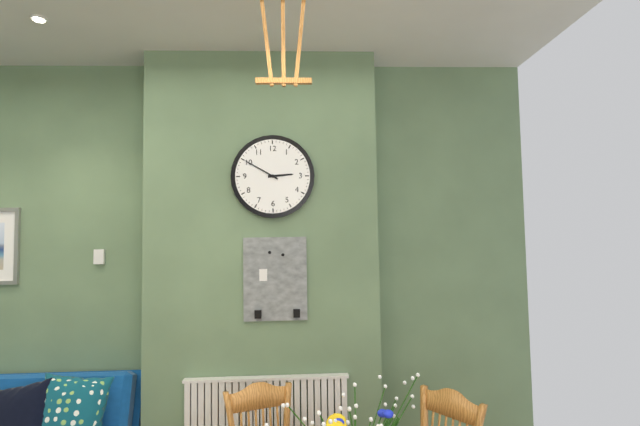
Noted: **2:50**
